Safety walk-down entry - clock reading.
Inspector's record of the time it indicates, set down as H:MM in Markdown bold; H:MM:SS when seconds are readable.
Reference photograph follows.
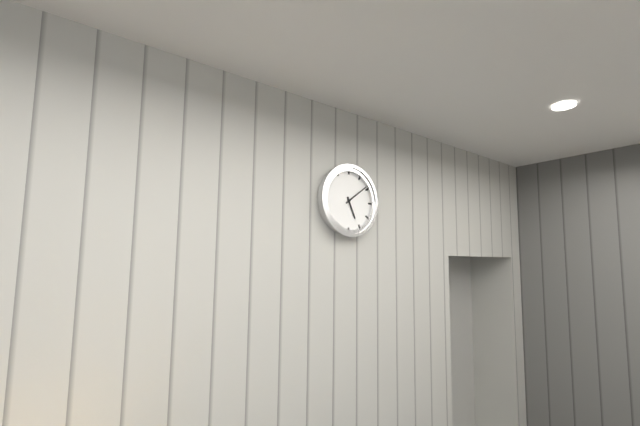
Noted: **5:09**
